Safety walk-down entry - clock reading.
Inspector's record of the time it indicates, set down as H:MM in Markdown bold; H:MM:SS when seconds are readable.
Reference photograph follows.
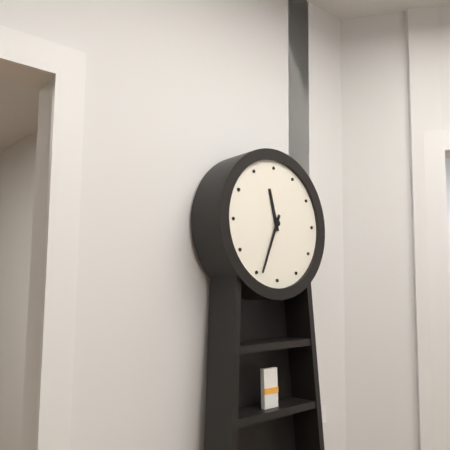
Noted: **11:34**
